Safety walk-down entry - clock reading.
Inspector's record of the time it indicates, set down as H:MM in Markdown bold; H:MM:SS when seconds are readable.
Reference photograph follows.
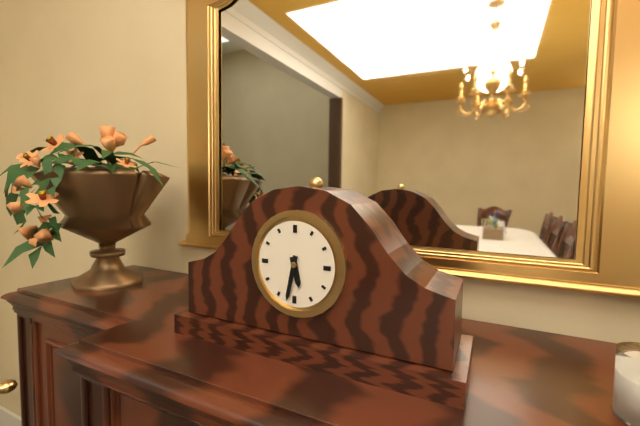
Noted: **5:32**
